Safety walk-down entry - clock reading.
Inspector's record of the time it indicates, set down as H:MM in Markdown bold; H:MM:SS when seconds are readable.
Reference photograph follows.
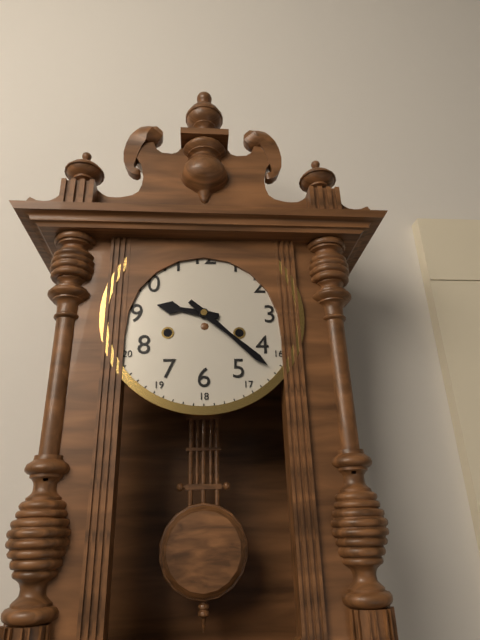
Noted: **9:22**
